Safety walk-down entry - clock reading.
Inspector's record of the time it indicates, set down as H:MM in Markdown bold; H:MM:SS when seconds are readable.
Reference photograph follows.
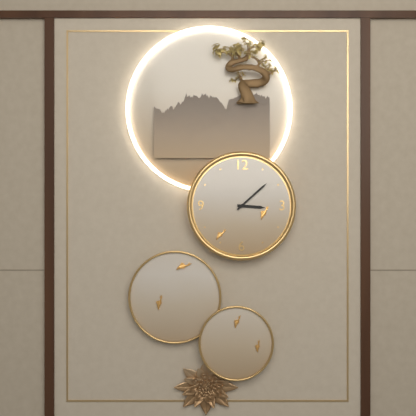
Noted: **3:08**
